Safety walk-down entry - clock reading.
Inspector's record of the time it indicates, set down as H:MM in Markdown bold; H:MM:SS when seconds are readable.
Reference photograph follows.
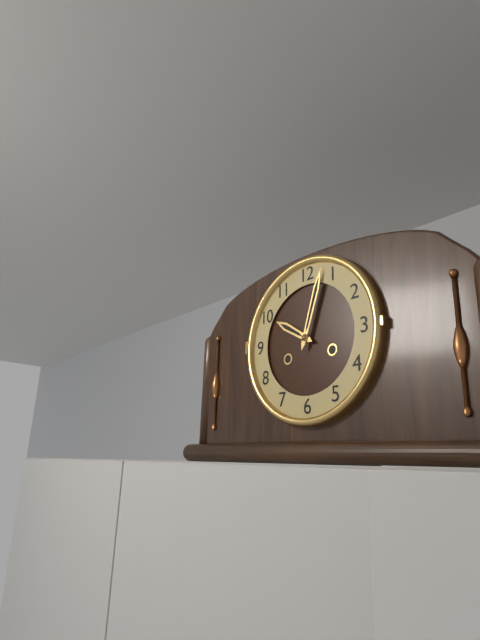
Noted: **10:03**
